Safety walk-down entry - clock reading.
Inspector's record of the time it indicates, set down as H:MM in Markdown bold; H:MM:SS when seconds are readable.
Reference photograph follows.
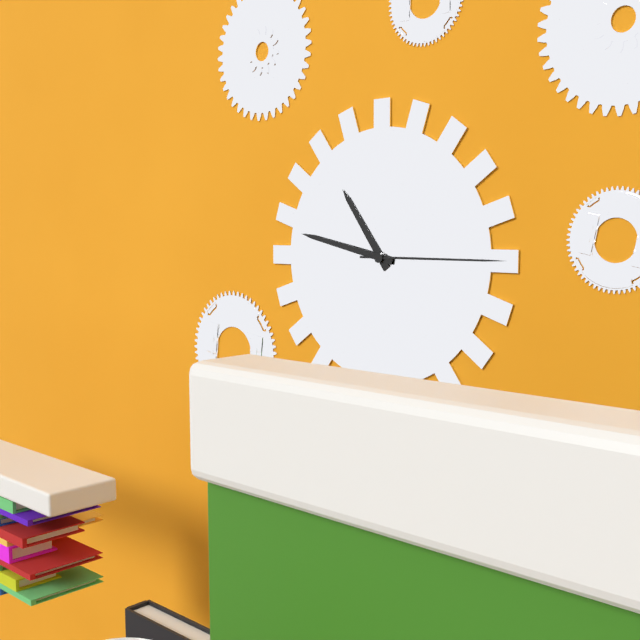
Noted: **10:47:15**
